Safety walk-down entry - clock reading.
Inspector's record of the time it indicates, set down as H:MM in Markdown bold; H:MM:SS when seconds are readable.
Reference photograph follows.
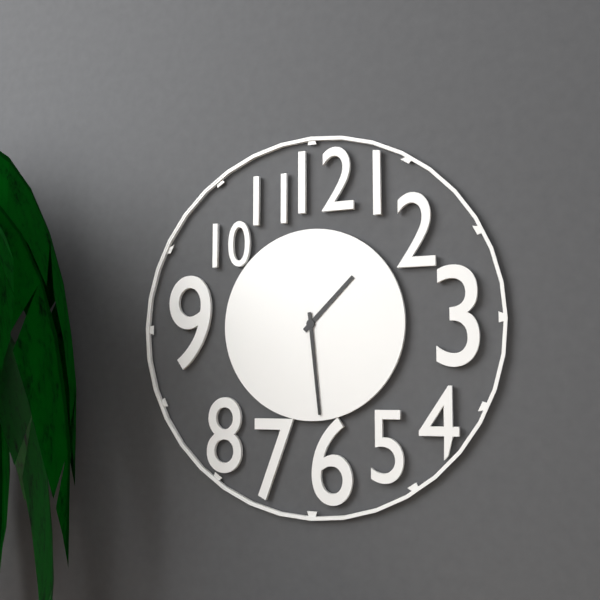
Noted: **1:29**
